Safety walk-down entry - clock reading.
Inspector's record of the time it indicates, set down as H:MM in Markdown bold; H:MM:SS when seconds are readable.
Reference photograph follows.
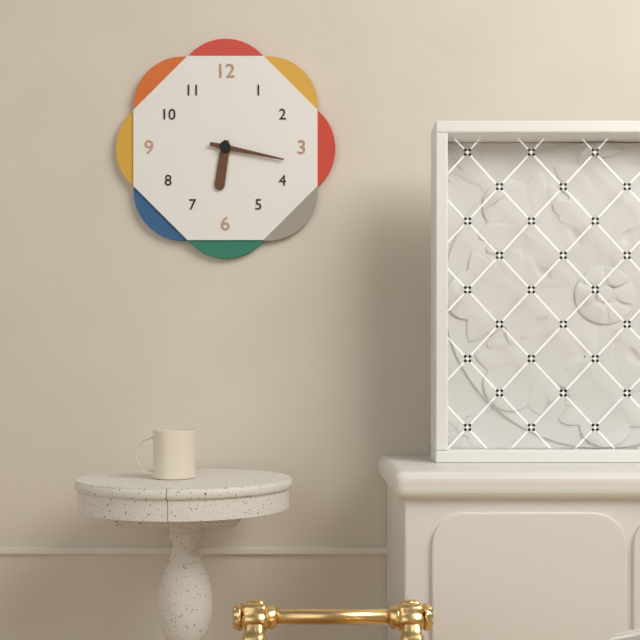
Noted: **6:17**
